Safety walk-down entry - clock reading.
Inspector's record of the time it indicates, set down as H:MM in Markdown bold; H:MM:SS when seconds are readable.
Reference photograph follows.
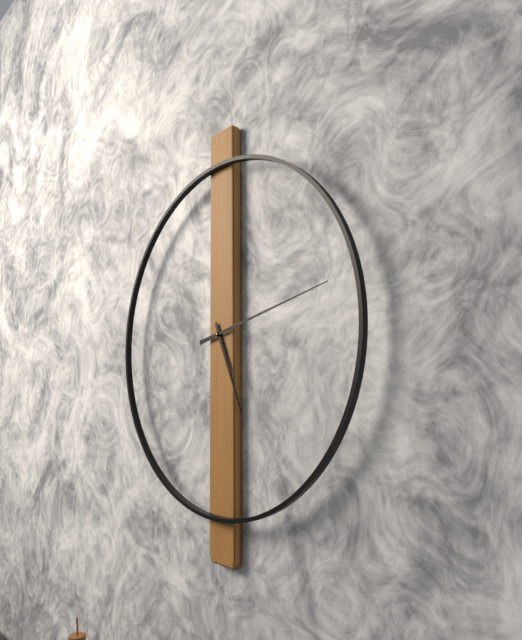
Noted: **5:13**
